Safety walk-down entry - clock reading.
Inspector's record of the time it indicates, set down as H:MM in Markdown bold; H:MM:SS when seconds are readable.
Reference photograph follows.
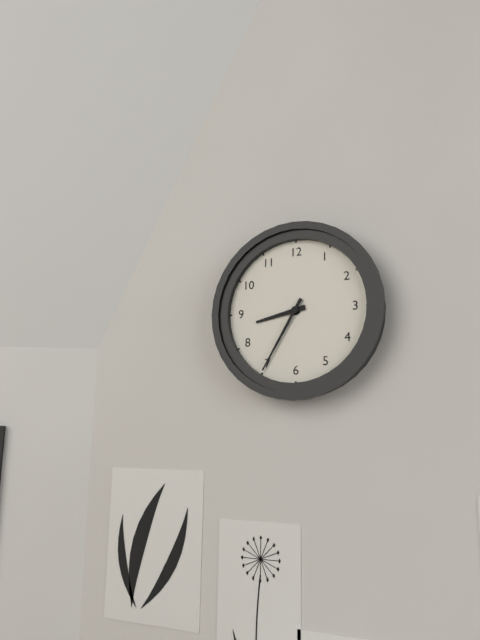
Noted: **8:35**
